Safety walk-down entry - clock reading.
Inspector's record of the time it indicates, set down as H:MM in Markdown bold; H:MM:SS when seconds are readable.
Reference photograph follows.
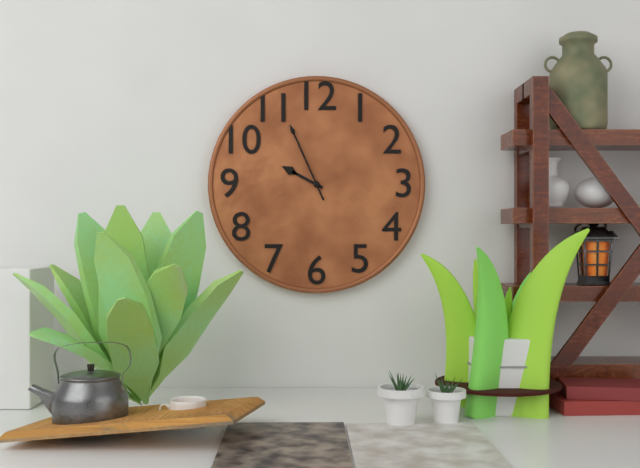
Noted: **9:56**
